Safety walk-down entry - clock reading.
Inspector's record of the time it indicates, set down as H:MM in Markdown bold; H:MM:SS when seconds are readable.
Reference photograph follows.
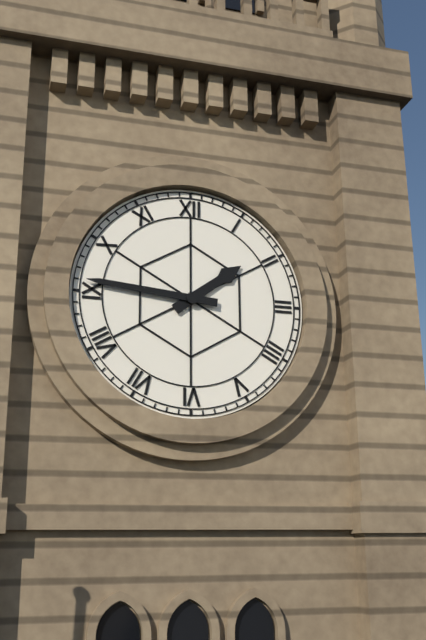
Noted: **1:46**
